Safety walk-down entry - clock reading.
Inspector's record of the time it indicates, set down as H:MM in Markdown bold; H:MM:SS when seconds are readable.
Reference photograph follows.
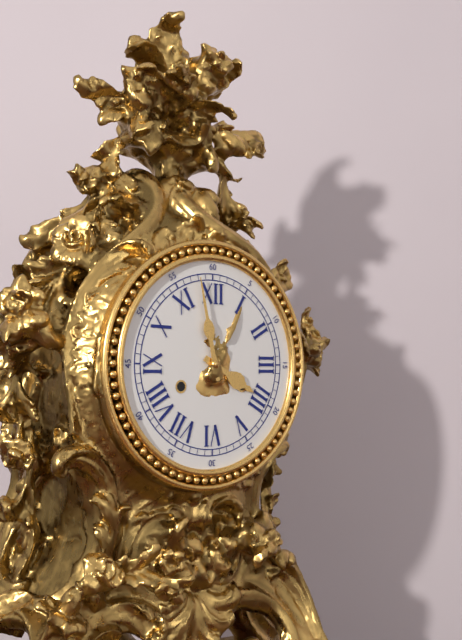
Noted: **3:58**
